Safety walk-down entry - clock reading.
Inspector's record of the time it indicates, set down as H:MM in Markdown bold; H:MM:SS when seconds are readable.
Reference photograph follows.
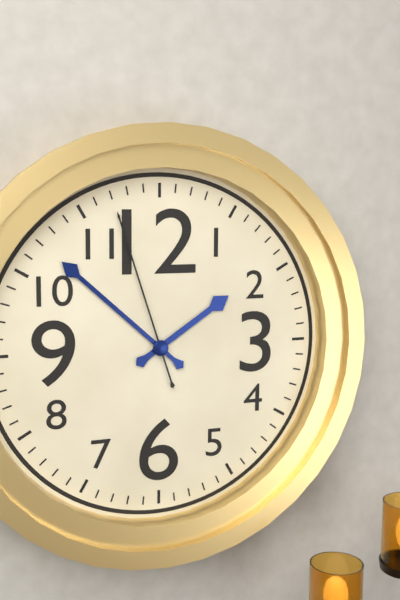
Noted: **1:52:57**
